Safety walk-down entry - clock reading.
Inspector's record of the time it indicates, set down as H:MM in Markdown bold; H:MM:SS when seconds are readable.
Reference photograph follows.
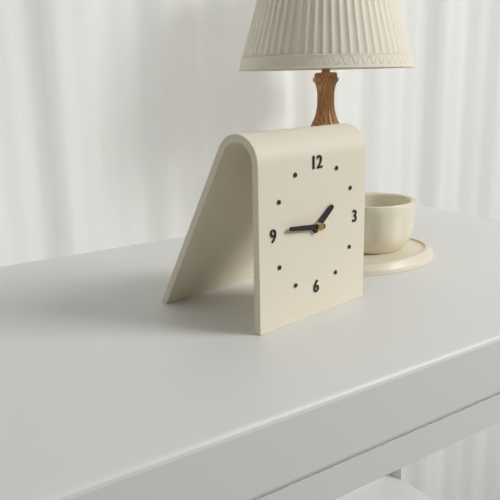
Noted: **1:46**
